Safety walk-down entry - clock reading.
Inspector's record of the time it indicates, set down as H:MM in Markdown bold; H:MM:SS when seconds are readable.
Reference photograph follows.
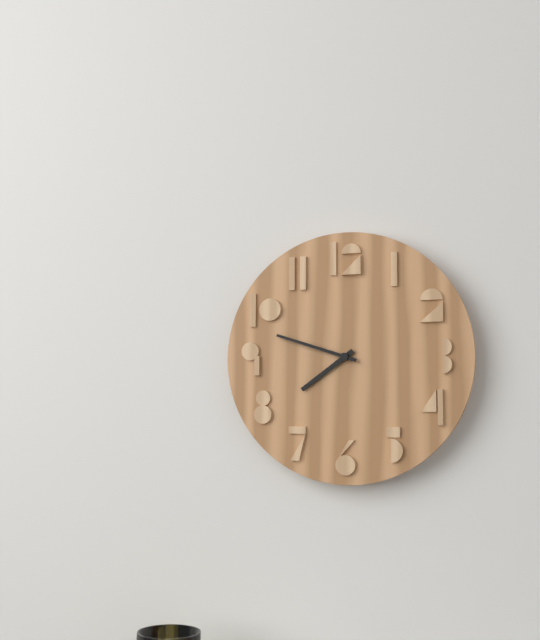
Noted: **7:48**
